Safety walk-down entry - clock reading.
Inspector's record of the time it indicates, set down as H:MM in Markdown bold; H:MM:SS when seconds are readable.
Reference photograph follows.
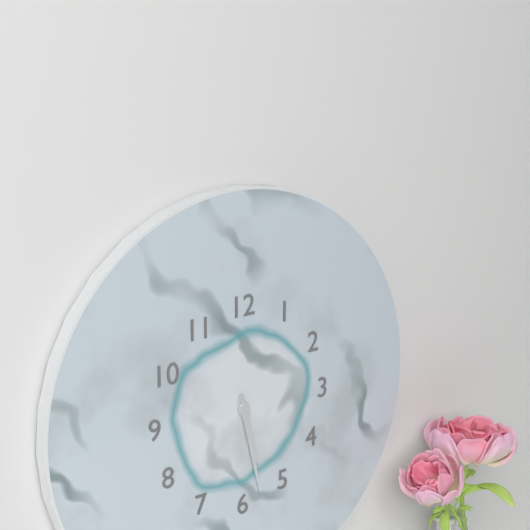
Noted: **5:28**
